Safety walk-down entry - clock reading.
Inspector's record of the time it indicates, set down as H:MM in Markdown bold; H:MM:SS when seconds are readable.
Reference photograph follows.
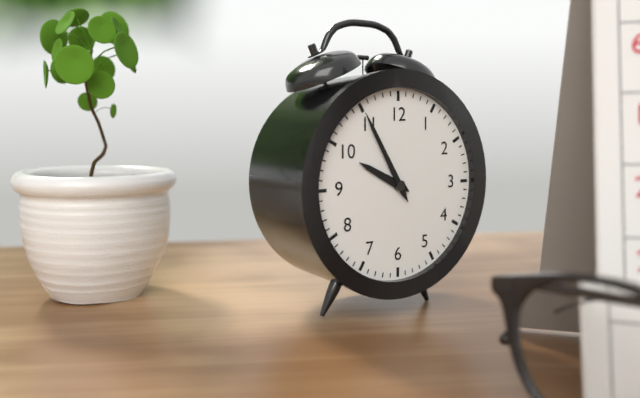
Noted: **9:55**
